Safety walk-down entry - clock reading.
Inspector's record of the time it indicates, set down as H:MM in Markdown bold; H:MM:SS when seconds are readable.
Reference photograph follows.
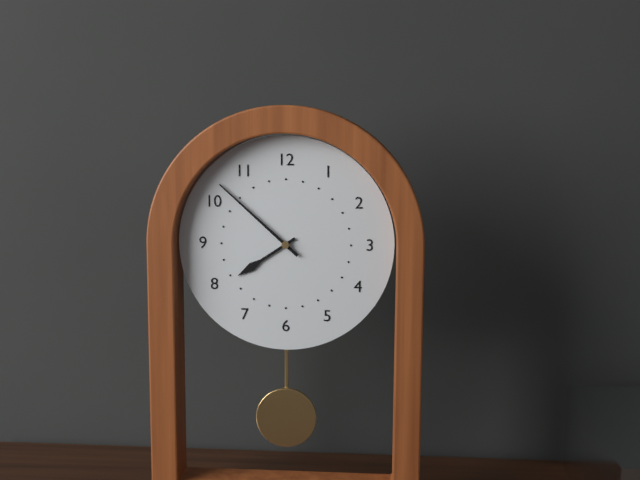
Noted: **7:52**
